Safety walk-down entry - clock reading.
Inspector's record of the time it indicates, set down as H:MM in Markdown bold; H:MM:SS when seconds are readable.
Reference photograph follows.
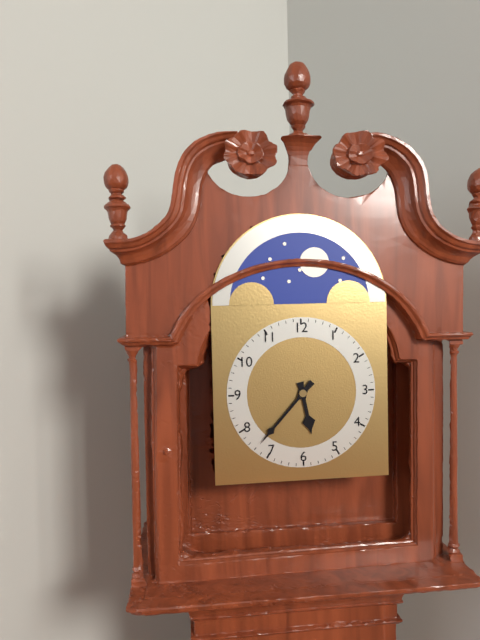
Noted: **5:37**
